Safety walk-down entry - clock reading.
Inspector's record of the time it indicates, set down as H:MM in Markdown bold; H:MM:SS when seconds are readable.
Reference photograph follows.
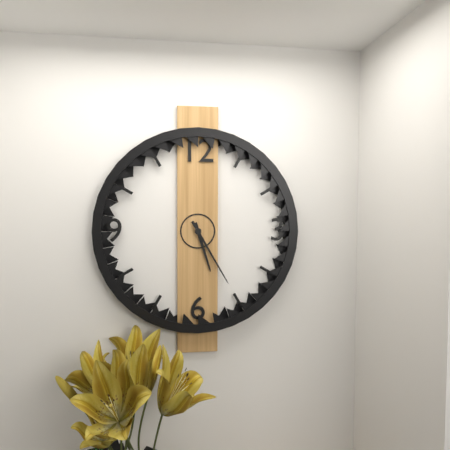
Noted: **5:25**
